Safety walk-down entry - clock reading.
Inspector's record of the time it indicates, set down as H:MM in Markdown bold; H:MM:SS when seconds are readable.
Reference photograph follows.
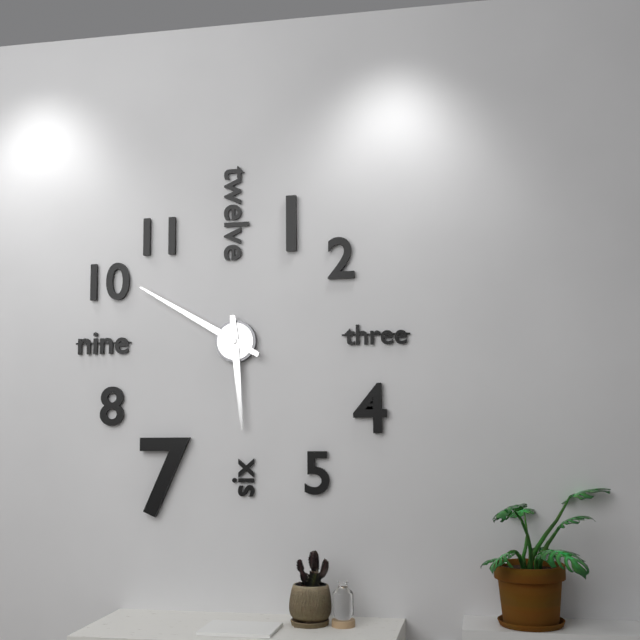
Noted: **5:50**
